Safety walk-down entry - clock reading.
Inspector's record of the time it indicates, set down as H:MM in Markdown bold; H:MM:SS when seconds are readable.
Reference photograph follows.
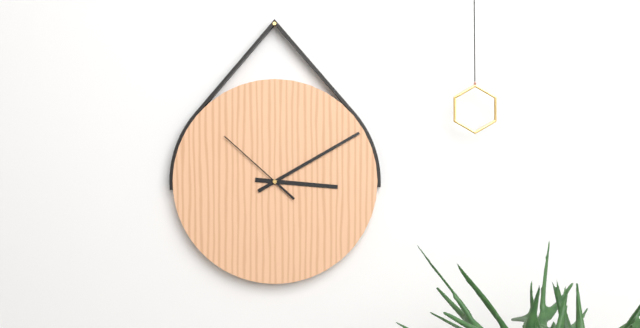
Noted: **3:10:52**
